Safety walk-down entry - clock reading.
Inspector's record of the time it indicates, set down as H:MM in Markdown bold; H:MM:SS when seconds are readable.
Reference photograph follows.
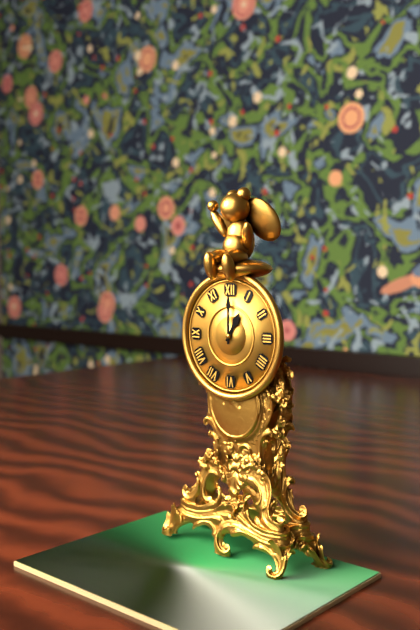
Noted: **1:00**
